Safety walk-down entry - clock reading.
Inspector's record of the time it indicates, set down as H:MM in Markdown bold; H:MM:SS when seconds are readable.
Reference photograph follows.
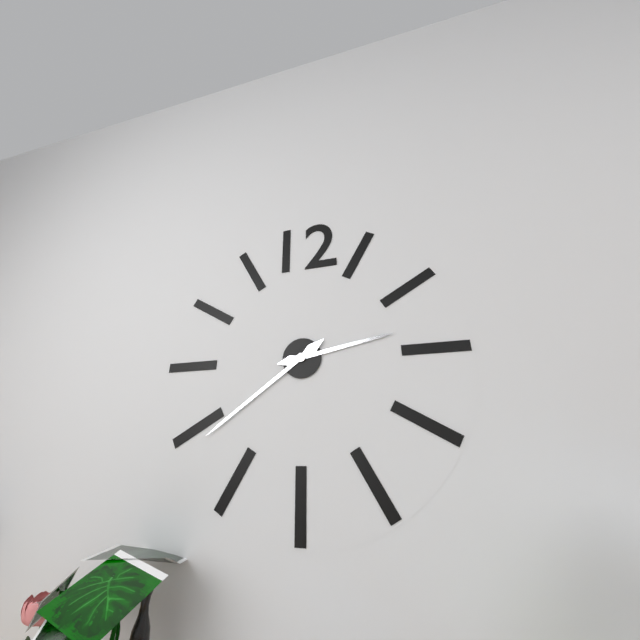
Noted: **2:39**
